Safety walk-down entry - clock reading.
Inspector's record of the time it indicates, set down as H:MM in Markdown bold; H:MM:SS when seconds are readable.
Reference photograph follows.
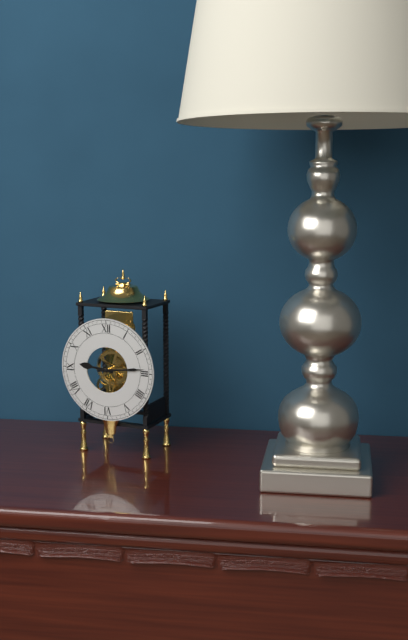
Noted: **9:14**
